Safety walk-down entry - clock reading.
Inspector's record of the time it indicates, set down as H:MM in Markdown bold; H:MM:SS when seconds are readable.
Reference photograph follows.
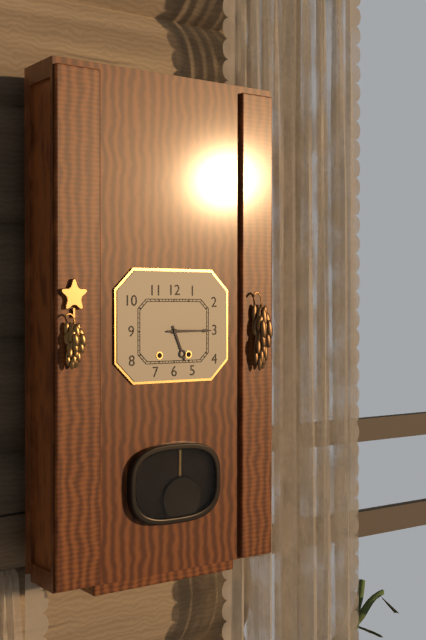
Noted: **5:15**
